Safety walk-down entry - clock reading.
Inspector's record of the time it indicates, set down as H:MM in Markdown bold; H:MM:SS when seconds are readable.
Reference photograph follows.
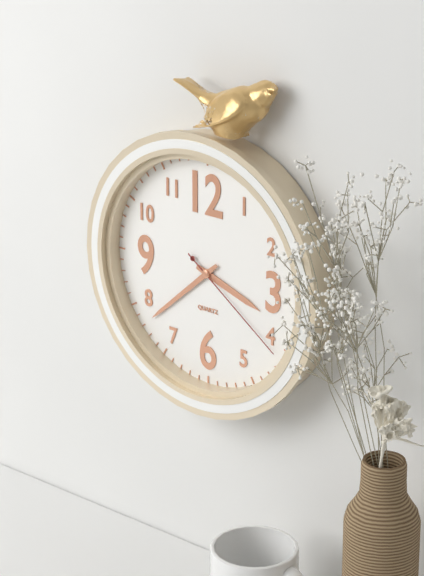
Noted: **3:38:21**
